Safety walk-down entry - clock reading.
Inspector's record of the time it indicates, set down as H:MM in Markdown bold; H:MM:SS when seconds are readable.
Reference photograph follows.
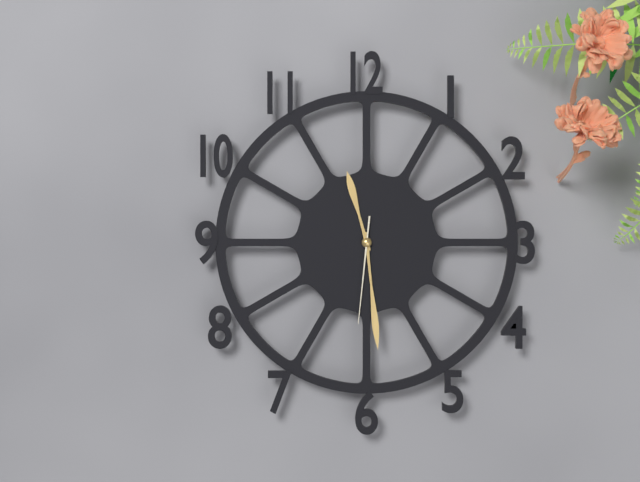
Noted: **11:29:31**
